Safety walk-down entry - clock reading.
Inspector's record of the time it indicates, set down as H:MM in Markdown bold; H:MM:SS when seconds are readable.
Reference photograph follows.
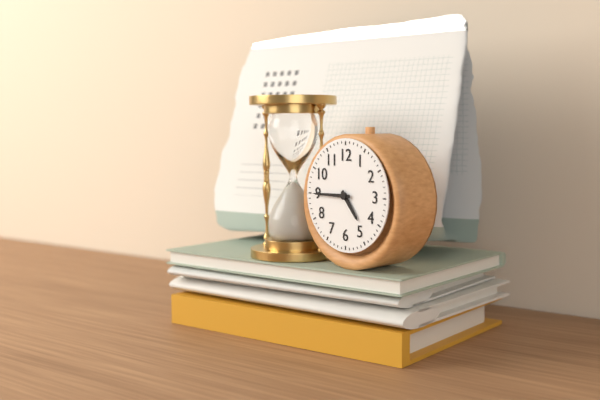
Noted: **4:45**
